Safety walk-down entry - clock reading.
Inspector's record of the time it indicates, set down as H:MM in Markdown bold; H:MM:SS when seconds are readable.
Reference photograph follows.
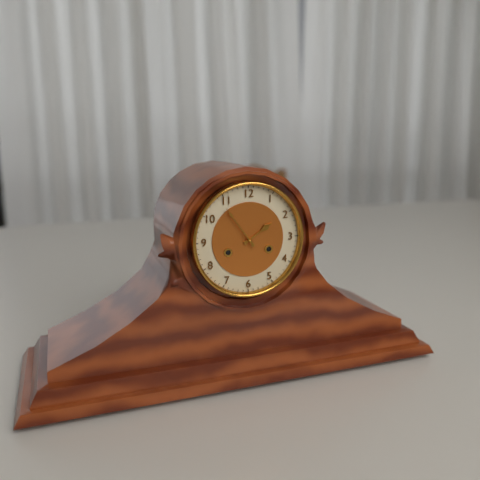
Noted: **1:54**
